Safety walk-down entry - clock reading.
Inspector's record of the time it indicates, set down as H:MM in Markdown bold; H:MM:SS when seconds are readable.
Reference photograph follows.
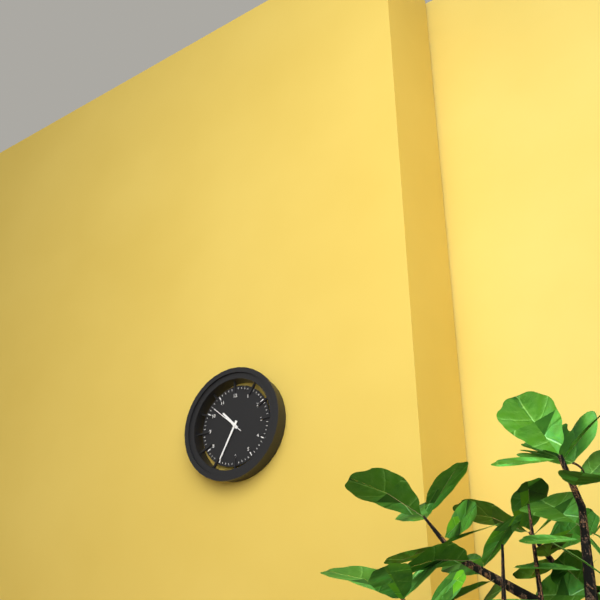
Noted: **10:35**
